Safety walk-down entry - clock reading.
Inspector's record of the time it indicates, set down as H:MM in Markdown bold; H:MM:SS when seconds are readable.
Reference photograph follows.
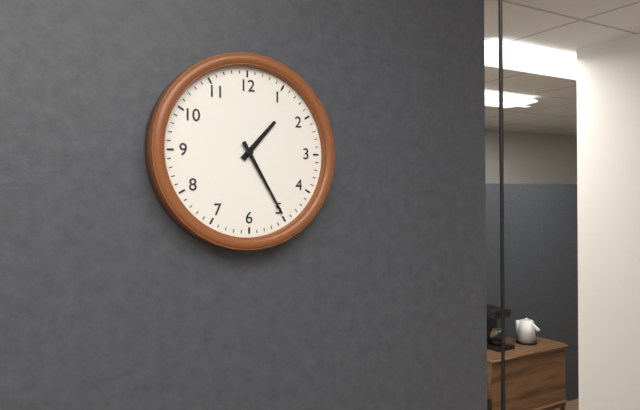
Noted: **1:25**
